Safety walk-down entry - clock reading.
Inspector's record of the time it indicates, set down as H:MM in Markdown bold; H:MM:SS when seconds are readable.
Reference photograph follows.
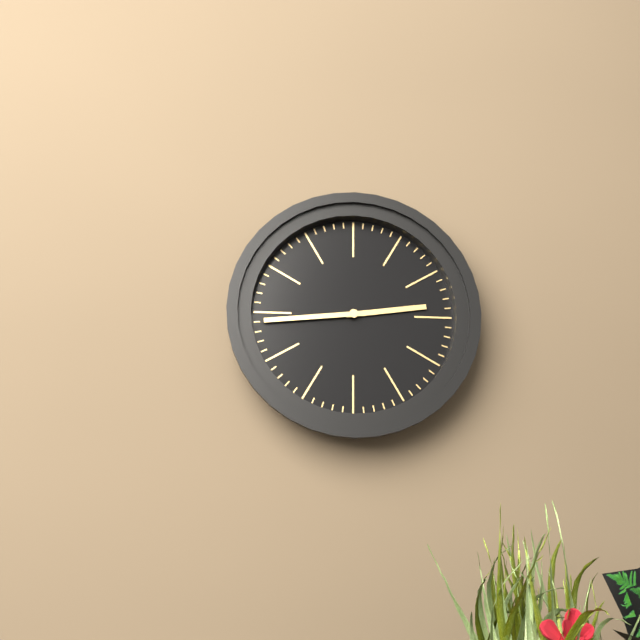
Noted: **2:44**
